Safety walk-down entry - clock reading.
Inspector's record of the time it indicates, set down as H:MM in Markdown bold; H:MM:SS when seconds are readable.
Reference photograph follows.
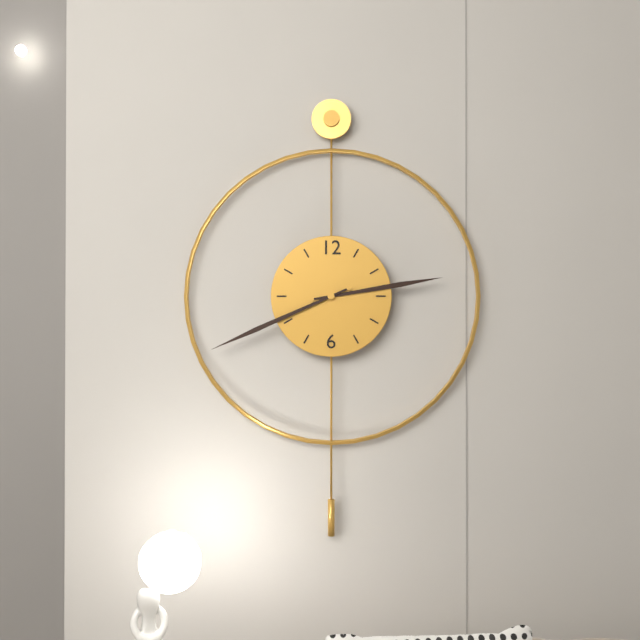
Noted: **2:41**
